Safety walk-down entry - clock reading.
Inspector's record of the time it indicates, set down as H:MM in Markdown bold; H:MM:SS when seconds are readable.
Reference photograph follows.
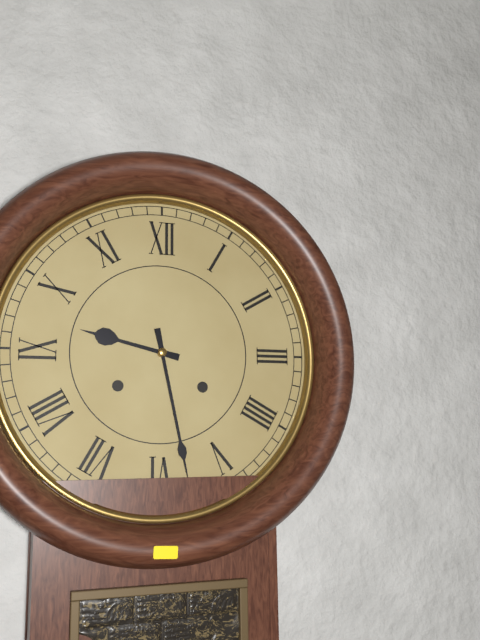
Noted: **9:28**
